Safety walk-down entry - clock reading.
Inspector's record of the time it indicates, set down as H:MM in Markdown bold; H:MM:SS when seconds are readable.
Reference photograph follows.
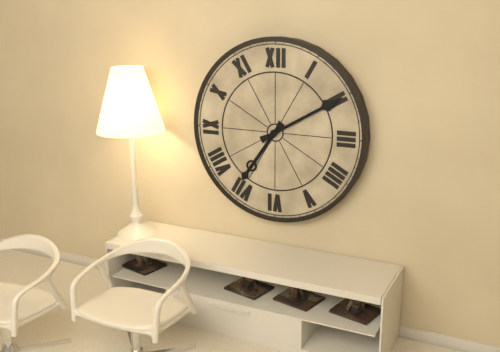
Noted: **7:10**
